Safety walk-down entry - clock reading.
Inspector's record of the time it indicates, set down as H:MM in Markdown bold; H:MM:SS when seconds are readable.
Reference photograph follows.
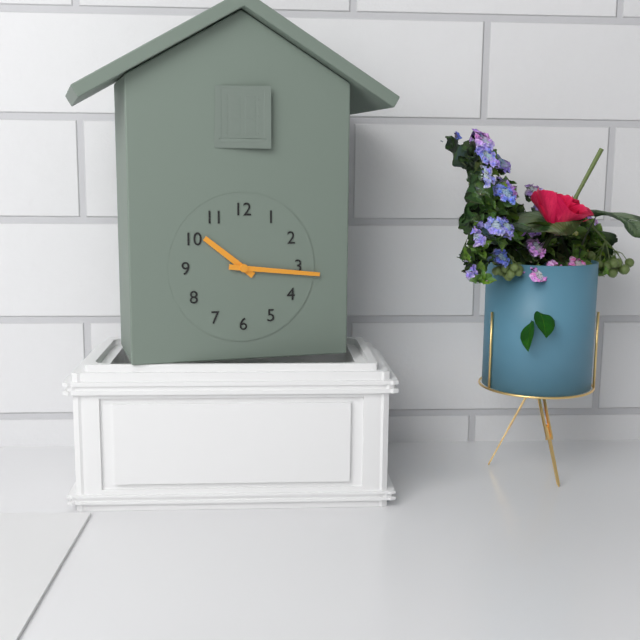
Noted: **10:16**
